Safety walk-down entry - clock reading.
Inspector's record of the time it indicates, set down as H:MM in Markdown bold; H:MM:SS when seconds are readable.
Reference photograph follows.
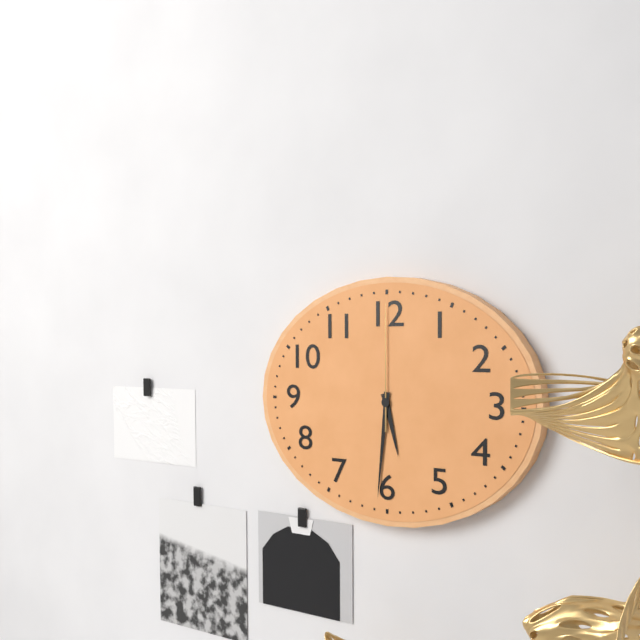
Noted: **5:31:00**
